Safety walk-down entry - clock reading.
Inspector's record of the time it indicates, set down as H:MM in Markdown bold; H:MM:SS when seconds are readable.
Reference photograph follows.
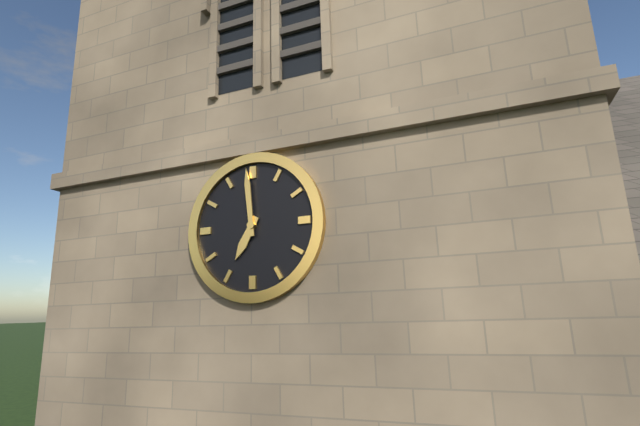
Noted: **6:59**
